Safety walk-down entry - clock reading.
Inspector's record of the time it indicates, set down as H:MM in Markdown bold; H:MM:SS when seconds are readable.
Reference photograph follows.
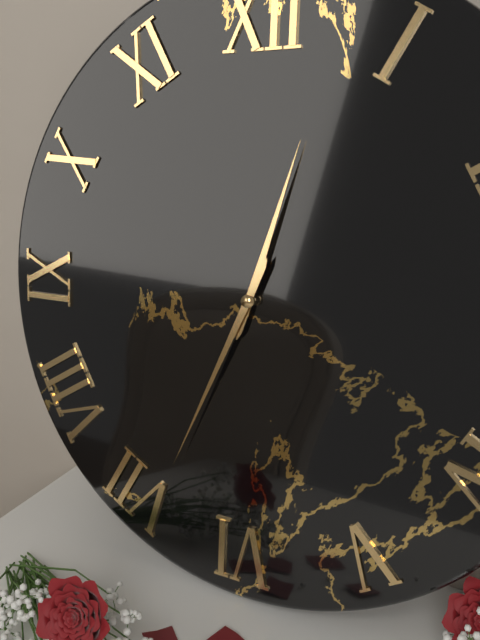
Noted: **12:34**
